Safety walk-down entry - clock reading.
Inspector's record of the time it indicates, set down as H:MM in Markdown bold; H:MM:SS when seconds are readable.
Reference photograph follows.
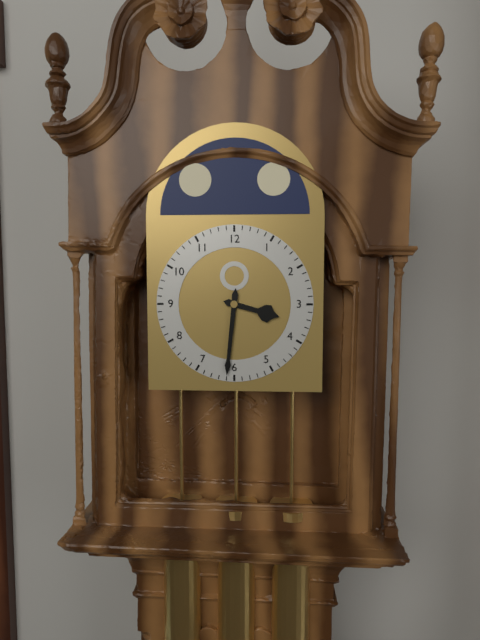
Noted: **3:31**
